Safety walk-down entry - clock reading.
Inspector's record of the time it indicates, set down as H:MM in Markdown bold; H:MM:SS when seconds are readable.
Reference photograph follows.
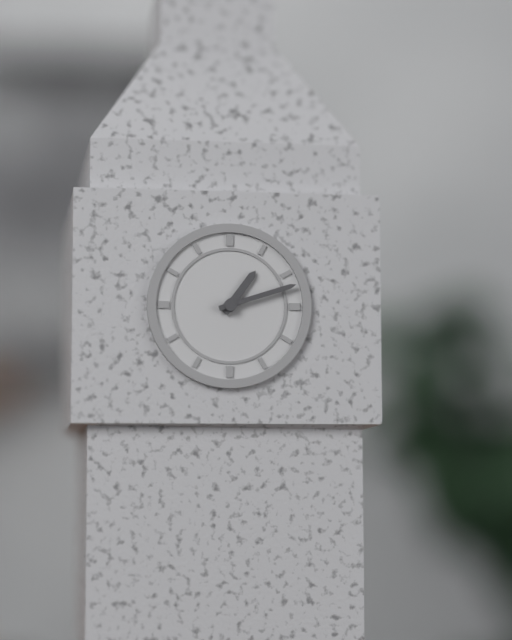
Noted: **1:12**
